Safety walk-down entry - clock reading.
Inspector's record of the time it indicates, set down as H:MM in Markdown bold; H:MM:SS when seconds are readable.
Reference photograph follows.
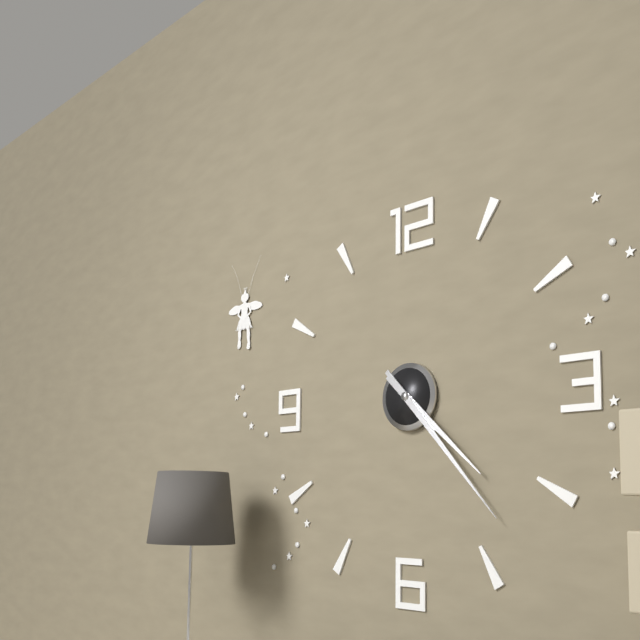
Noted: **4:23**
